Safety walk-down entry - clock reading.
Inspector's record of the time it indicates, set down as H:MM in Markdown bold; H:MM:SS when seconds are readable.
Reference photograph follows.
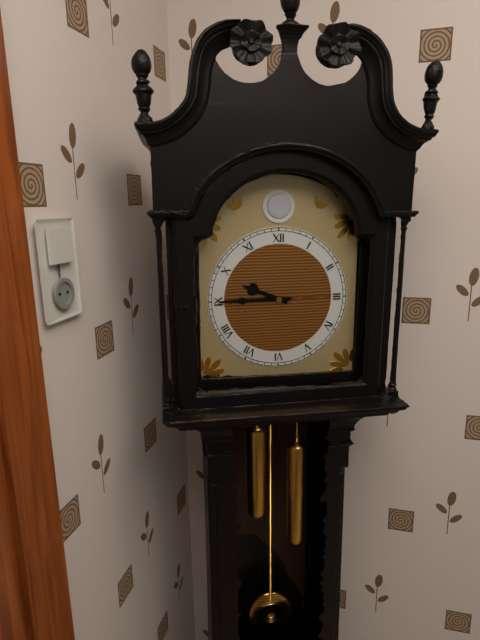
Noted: **9:45**
